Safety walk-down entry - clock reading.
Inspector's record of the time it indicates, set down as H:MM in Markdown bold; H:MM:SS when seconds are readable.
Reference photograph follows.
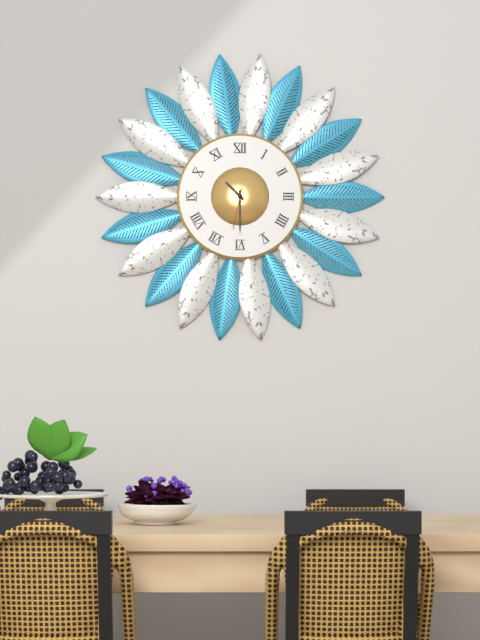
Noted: **10:30**
